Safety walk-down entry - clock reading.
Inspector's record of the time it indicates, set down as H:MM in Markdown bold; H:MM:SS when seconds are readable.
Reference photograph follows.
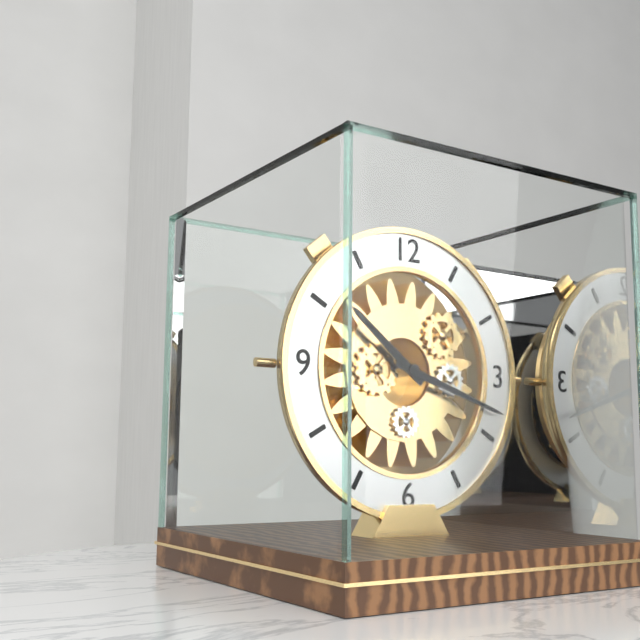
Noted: **10:18**
